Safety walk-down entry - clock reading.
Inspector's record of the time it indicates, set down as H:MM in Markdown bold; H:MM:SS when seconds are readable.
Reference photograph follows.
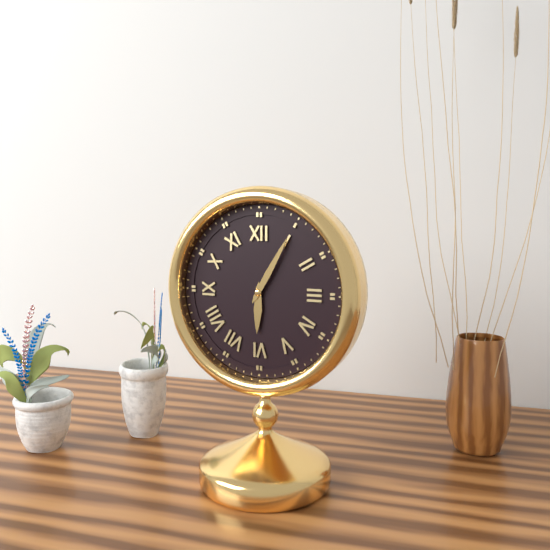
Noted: **6:05**
